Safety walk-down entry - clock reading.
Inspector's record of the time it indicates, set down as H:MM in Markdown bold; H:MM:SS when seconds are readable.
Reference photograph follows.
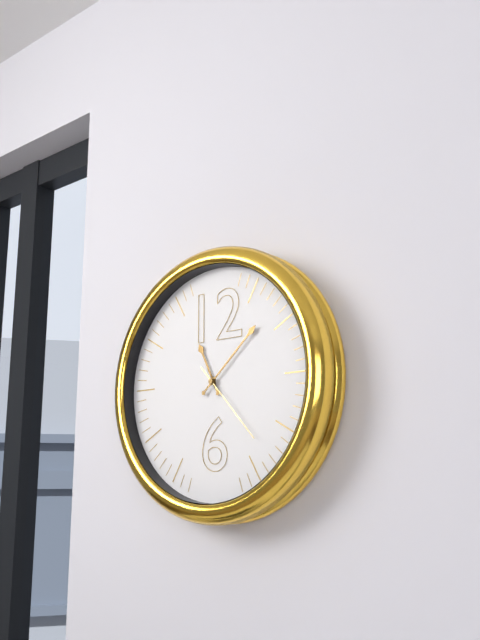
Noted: **11:08:23**
